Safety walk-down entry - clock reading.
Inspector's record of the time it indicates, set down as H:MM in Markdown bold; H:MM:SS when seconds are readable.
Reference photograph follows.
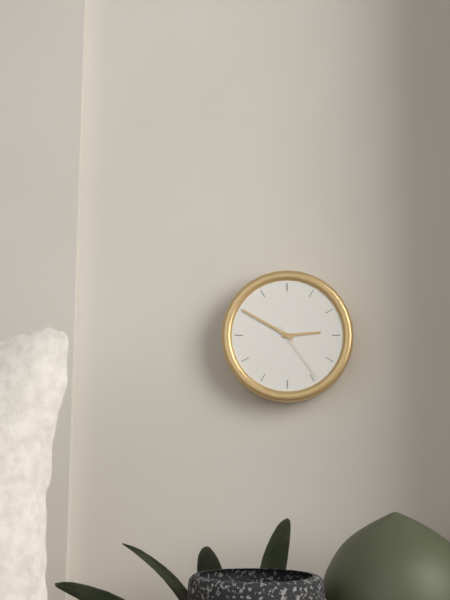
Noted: **2:50:24**
